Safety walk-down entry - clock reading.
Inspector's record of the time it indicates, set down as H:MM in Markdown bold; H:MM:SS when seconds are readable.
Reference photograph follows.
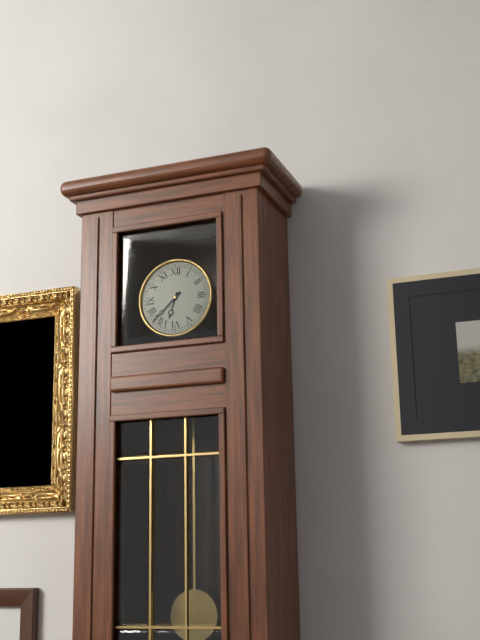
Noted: **6:38**
